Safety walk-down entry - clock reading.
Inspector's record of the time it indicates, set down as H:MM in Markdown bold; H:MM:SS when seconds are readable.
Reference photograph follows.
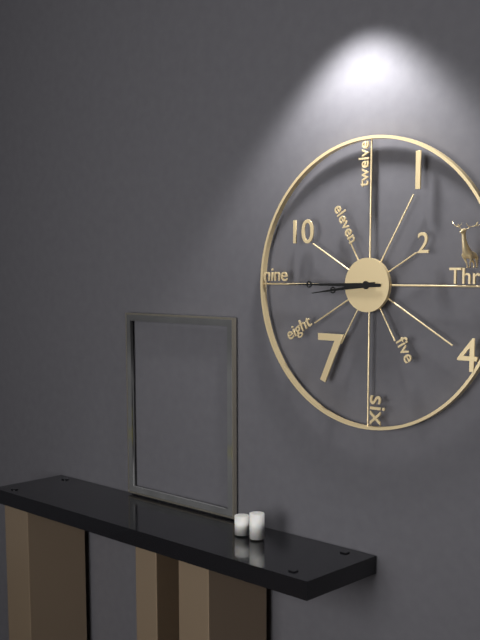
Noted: **8:45**
